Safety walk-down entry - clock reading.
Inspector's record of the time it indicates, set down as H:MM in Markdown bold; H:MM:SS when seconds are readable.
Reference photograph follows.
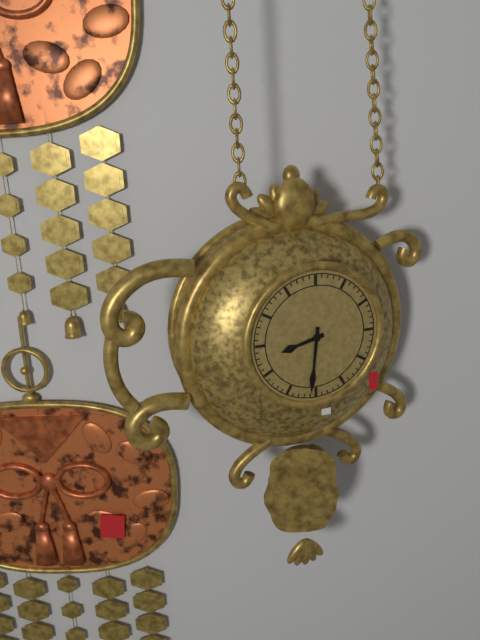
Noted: **8:31**
